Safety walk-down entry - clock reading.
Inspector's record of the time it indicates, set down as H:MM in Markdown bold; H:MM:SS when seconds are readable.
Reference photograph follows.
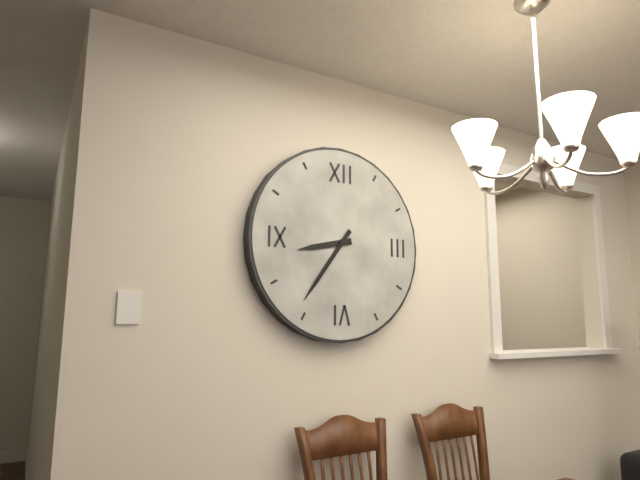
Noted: **8:36**
